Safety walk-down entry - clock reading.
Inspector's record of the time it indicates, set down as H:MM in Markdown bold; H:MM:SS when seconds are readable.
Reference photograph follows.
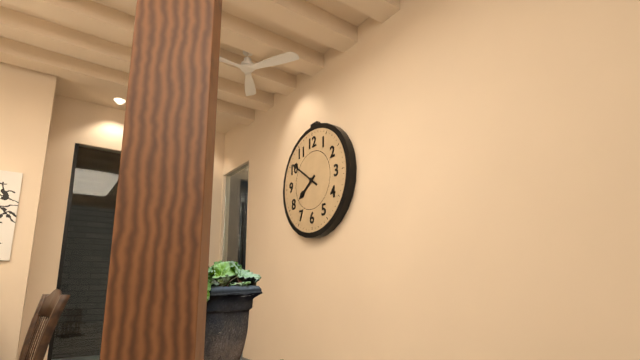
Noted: **7:51**
